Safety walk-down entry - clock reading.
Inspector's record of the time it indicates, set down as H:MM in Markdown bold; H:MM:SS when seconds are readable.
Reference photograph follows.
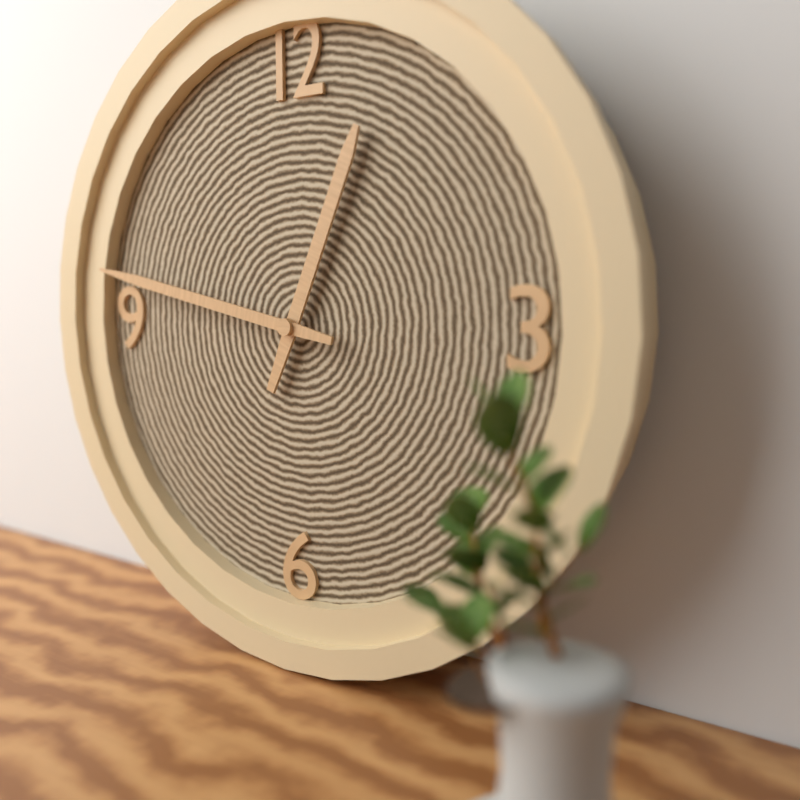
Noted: **12:47**
